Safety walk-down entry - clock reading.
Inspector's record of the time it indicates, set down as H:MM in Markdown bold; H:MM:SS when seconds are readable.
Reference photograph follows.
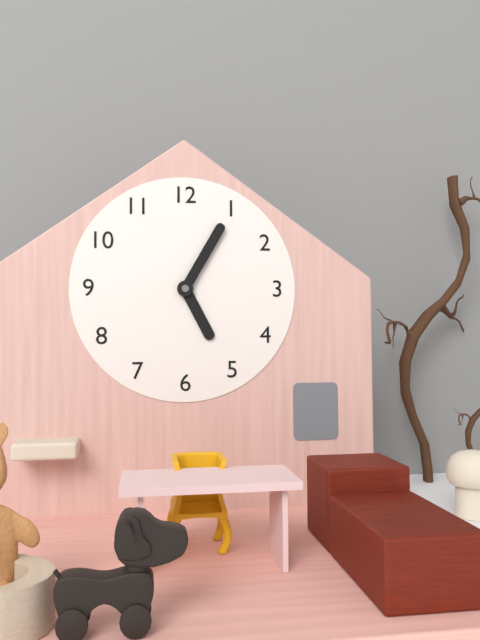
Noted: **5:05**
